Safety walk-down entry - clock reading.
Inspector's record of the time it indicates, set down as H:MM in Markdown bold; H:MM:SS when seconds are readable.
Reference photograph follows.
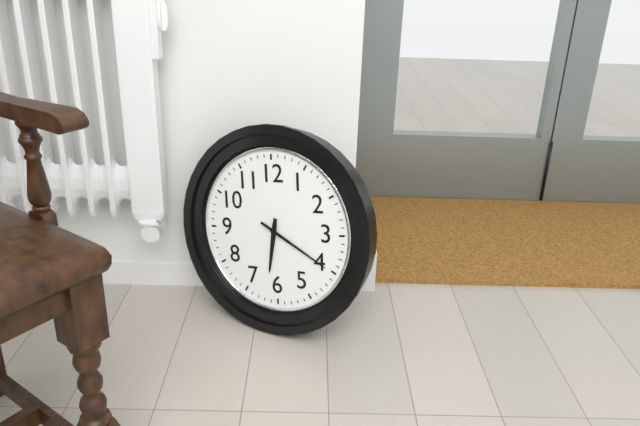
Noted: **6:20**
